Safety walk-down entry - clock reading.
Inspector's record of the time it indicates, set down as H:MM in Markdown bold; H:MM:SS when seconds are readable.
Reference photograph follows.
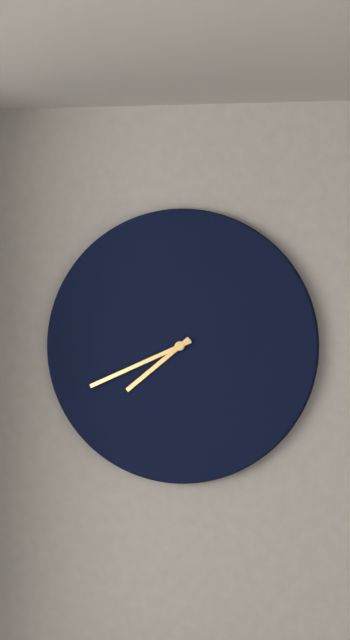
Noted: **7:41**
